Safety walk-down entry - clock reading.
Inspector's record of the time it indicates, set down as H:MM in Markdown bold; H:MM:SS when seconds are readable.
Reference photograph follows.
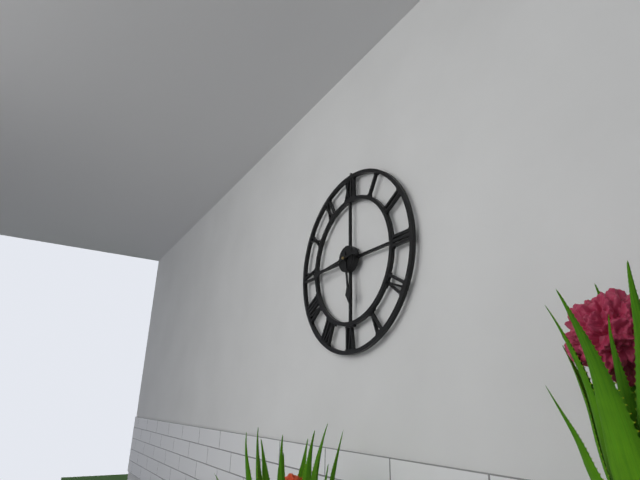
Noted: **5:44**
